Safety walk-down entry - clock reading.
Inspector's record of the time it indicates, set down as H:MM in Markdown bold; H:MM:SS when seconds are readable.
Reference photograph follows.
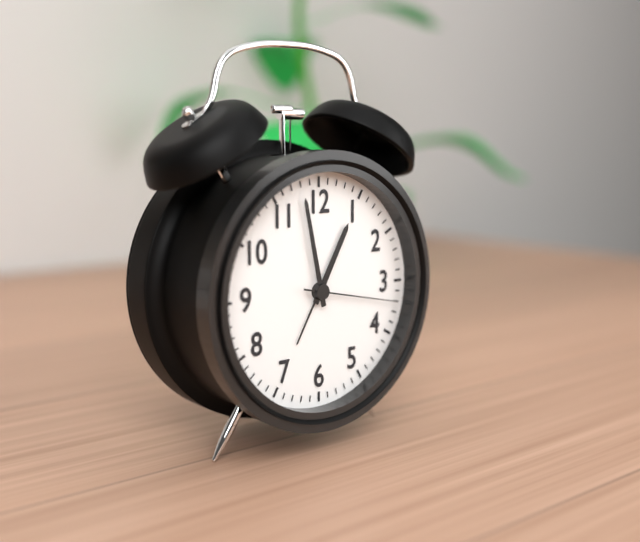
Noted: **12:58:17**
